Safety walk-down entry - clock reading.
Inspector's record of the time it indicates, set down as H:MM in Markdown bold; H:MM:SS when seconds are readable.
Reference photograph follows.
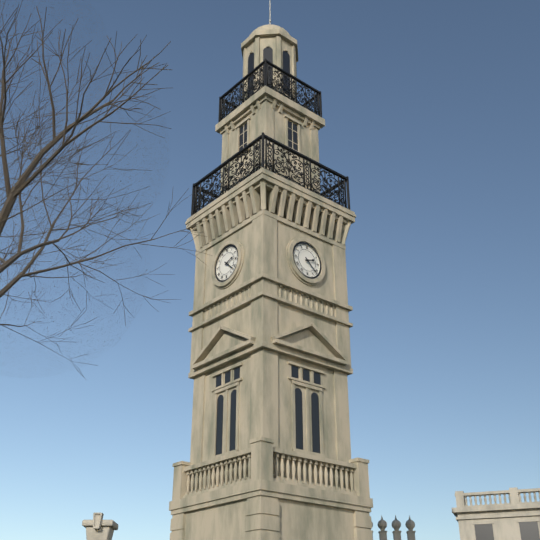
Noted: **2:22**
